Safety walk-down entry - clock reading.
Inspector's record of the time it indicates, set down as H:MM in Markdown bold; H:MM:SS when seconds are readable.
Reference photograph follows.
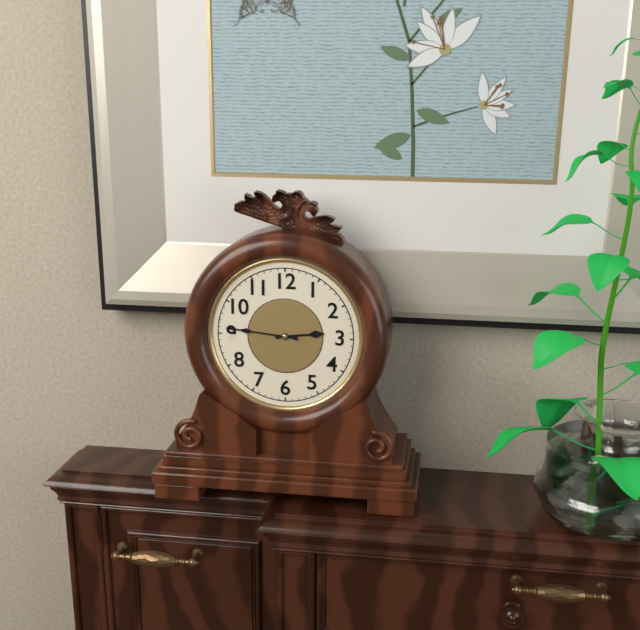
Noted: **2:46**
